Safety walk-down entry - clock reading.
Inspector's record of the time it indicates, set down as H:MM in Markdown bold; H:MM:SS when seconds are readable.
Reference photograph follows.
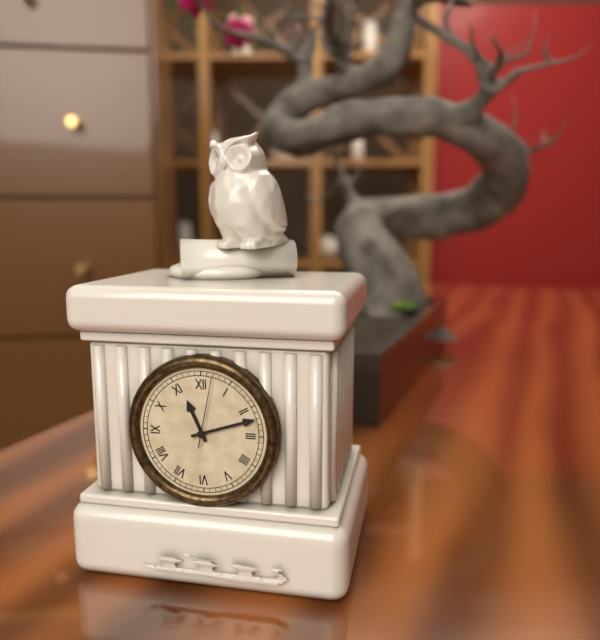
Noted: **11:12:02**
